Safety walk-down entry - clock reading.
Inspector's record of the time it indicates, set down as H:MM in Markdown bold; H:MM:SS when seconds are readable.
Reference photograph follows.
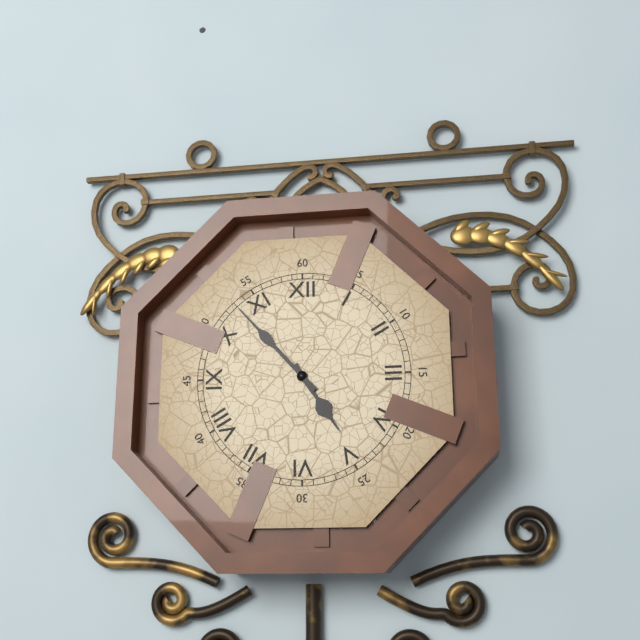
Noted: **4:53**
